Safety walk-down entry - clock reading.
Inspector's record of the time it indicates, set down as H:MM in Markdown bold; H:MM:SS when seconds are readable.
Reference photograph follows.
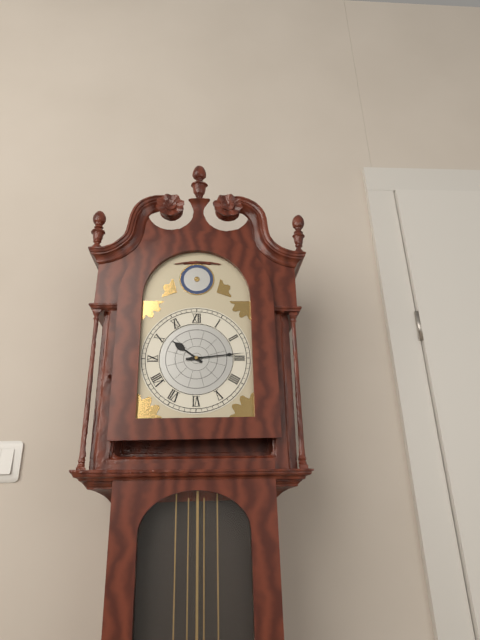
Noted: **10:14**
